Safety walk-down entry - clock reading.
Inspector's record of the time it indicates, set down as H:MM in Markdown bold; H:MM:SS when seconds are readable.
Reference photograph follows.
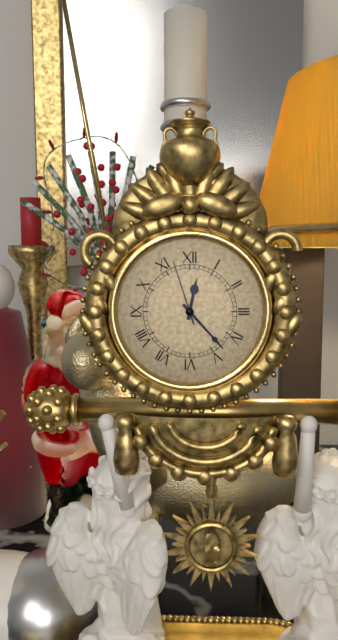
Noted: **12:23:57**
